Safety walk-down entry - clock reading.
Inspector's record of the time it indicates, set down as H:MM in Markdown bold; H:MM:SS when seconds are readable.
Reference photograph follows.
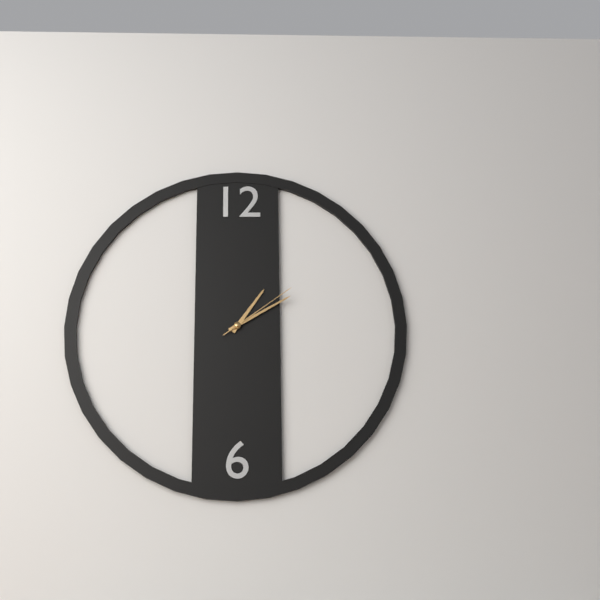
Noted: **1:10:09**
